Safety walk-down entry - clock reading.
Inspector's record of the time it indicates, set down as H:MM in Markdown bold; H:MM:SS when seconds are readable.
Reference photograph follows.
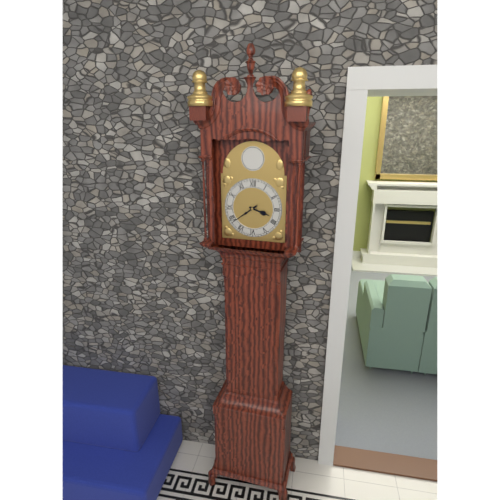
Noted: **3:39**
